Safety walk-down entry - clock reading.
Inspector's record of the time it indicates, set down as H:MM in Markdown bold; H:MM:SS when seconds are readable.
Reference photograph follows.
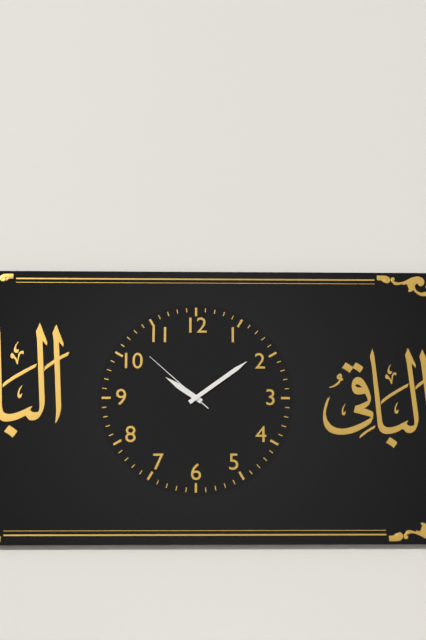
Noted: **10:09:52**
